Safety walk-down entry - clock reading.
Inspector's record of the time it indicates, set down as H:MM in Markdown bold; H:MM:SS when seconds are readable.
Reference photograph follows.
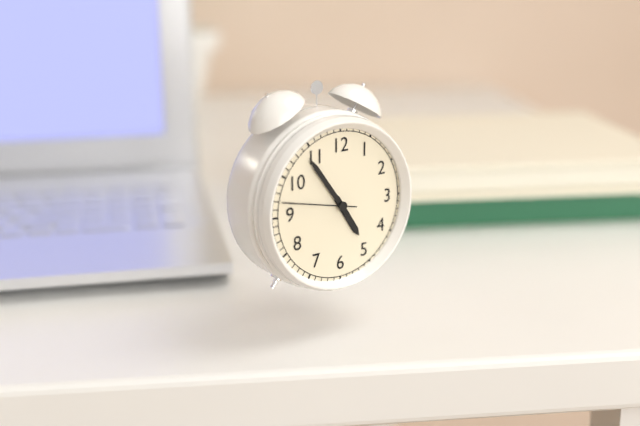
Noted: **4:54:47**
